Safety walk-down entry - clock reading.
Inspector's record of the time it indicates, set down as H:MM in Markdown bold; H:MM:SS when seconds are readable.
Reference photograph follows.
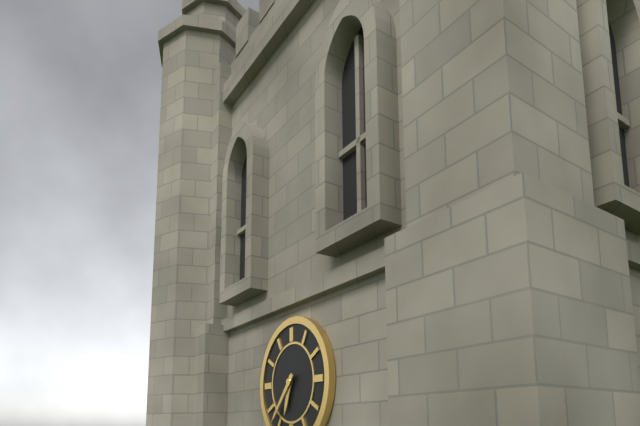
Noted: **6:37**
